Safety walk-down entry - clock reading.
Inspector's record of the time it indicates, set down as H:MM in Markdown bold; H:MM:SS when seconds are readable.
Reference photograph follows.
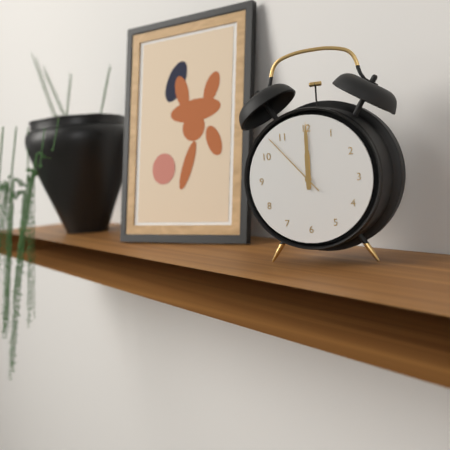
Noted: **12:00:53**
